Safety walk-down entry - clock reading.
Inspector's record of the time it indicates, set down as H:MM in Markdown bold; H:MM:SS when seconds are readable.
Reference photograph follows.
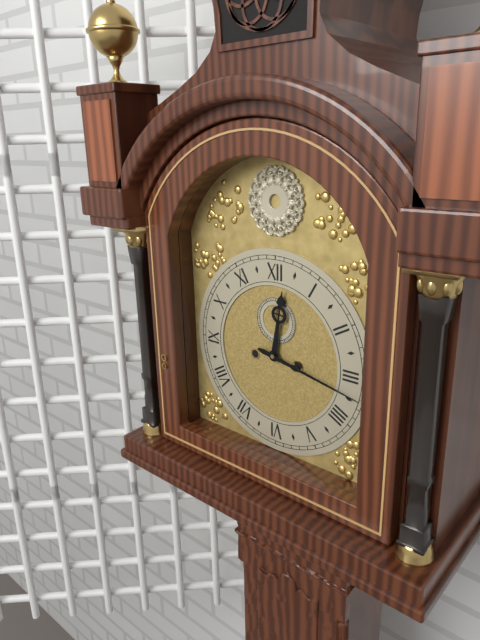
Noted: **12:17**
